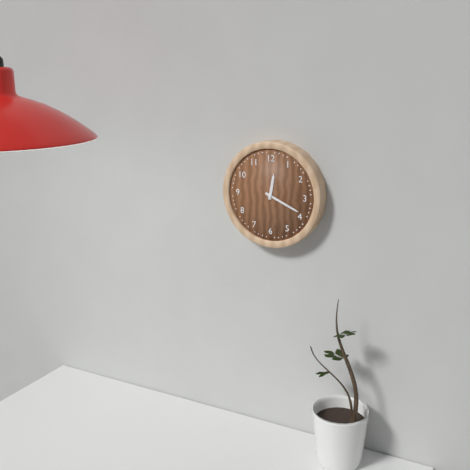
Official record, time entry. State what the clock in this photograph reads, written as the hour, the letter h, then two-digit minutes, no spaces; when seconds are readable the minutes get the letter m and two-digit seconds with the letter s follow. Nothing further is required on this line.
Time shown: 12h19
